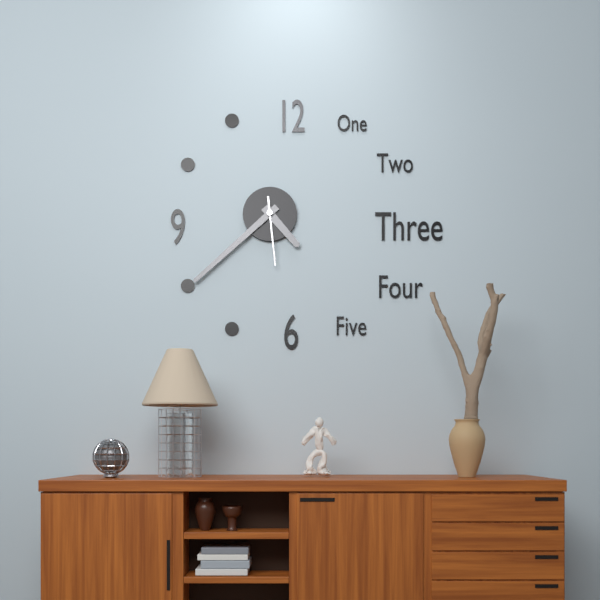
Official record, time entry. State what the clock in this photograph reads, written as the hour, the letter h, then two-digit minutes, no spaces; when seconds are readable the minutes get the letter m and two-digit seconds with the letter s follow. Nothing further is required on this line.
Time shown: 4h38m29s
